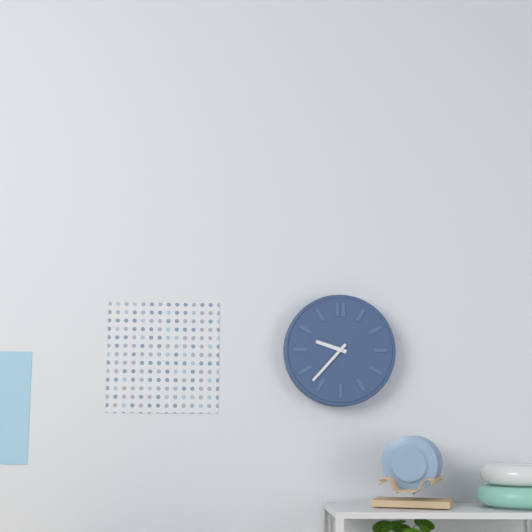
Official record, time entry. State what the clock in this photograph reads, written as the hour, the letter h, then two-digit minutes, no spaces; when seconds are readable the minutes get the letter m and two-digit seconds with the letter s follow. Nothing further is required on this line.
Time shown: 9h37
